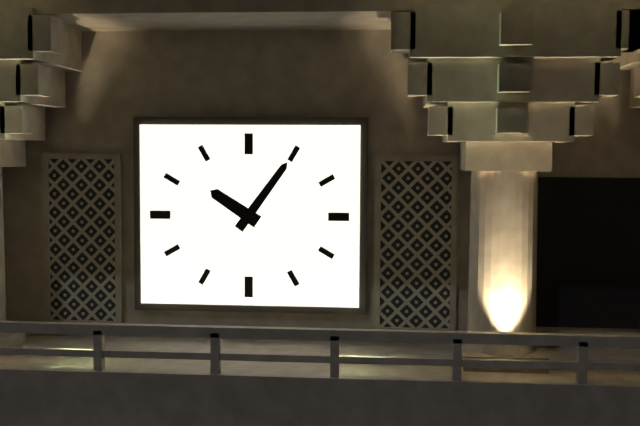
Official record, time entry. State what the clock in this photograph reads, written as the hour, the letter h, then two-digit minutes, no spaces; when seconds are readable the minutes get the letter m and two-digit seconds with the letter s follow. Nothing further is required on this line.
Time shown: 10h06
